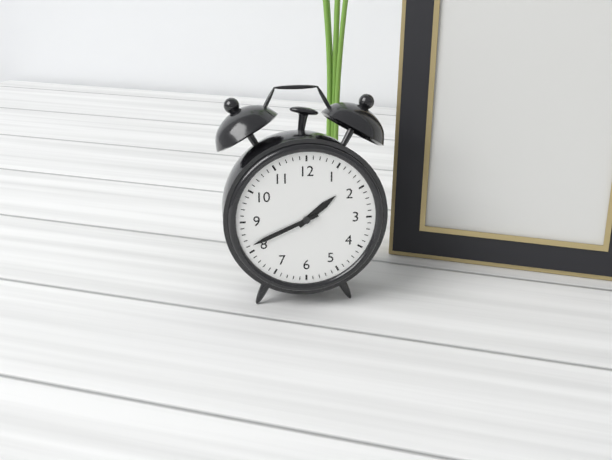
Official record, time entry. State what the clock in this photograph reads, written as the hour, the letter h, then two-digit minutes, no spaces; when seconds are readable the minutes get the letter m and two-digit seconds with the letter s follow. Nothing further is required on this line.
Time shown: 1h41
